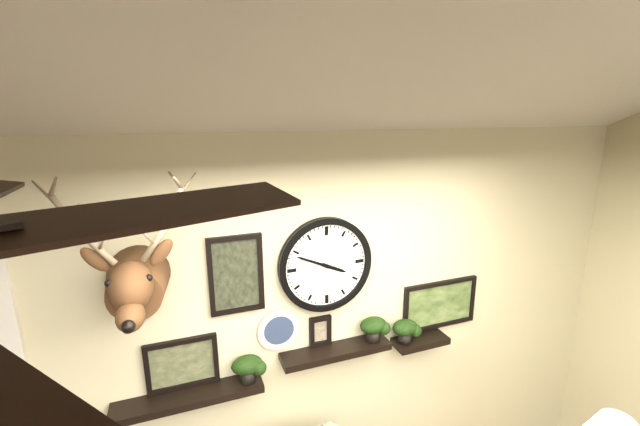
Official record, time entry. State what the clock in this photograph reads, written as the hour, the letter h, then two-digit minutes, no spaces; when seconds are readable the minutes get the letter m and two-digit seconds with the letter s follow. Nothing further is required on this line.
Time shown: 3h49
